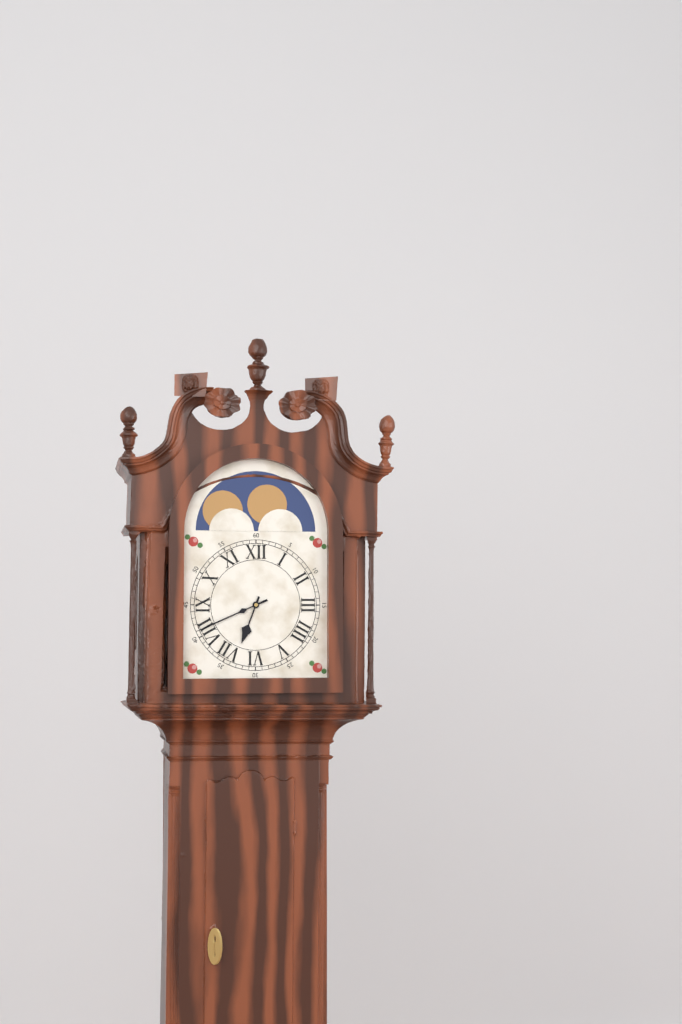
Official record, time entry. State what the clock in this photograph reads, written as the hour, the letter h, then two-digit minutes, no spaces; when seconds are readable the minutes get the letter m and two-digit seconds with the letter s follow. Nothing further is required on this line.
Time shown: 6h41
